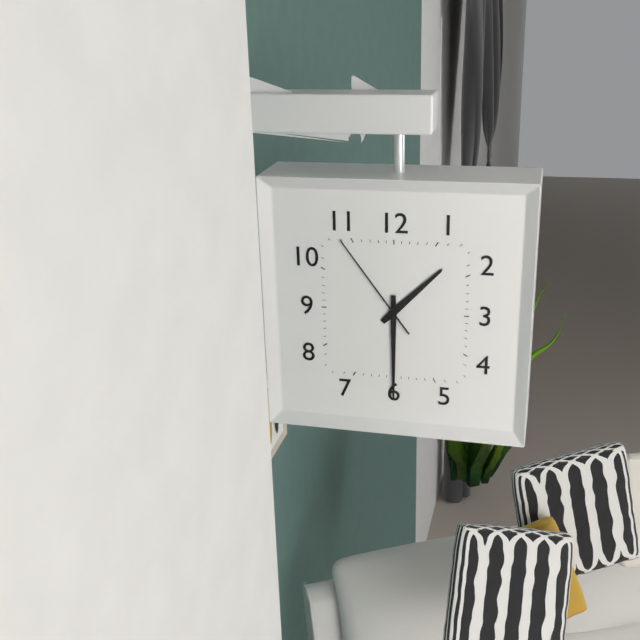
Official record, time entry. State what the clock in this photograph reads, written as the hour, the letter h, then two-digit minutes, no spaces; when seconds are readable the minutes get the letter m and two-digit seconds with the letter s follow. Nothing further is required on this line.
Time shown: 1h30m54s
